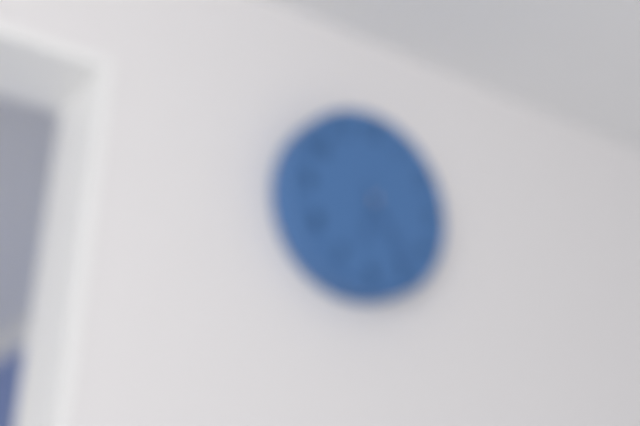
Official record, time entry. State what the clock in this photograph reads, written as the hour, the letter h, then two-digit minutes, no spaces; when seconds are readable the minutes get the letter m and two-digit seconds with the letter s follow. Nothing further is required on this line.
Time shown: 6h24
